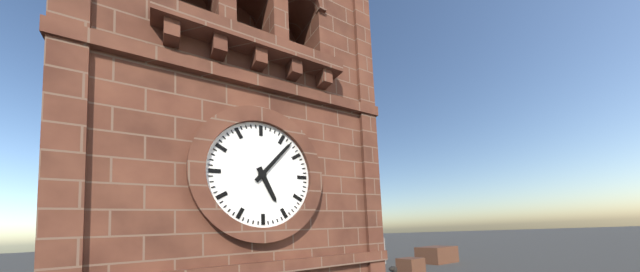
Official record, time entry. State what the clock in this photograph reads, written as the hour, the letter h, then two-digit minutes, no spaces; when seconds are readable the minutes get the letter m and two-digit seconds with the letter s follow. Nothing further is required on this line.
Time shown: 5h07
